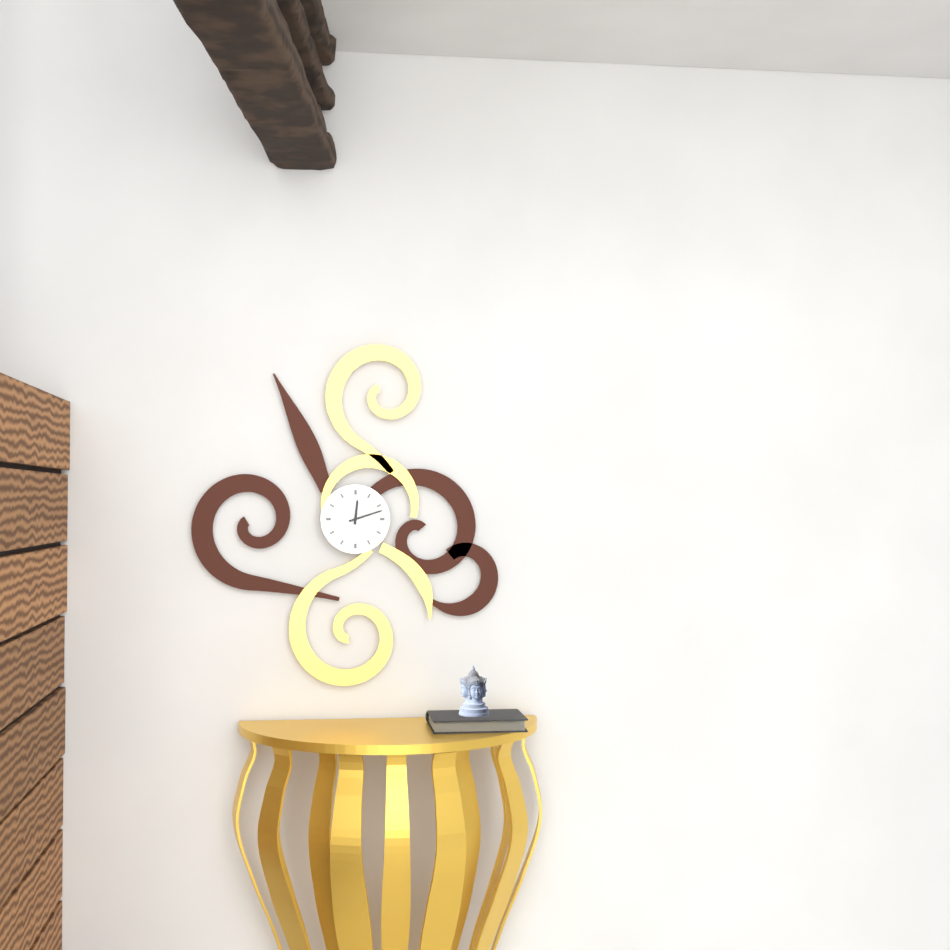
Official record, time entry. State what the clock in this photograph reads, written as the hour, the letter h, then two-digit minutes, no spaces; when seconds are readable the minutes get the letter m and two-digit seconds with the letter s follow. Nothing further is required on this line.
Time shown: 12h12
